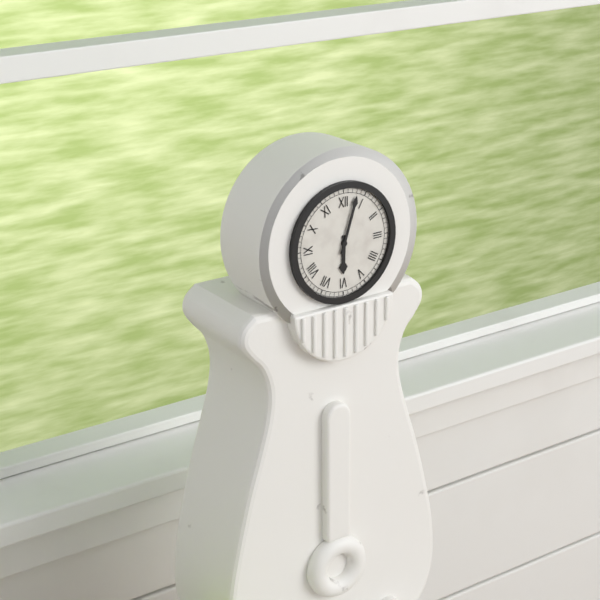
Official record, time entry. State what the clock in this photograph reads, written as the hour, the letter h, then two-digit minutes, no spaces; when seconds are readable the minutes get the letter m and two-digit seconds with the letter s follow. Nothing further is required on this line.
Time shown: 6h03
